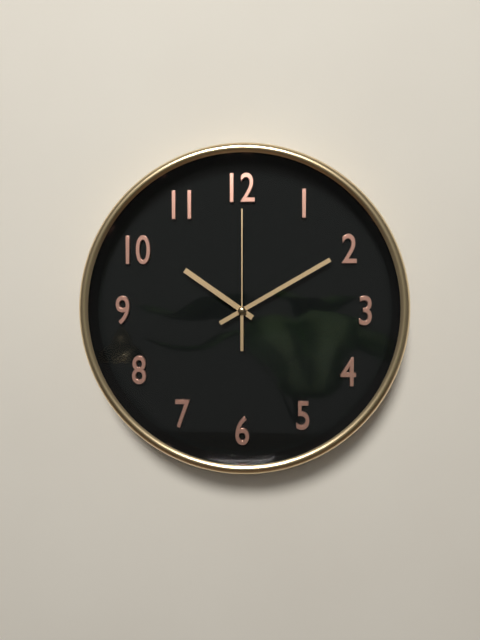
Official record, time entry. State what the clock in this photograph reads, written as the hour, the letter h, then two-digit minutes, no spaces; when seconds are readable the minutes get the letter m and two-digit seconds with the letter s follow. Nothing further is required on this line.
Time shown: 10h10m00s
